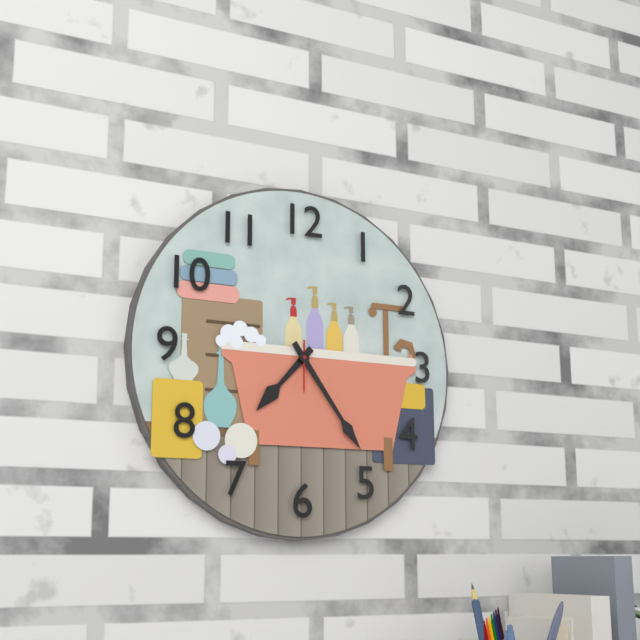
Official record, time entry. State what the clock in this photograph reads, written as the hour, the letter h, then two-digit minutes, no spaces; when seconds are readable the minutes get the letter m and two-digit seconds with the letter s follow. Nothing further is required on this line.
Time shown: 7h24
